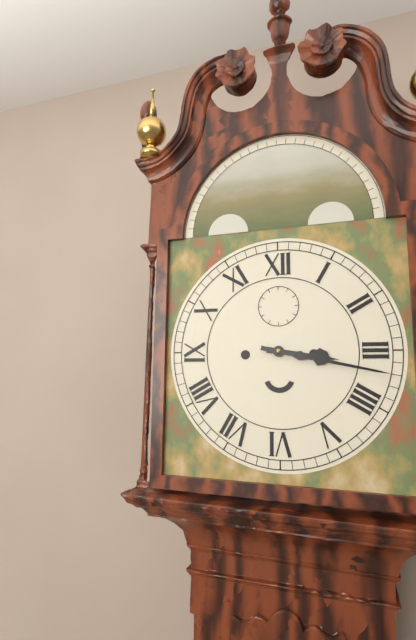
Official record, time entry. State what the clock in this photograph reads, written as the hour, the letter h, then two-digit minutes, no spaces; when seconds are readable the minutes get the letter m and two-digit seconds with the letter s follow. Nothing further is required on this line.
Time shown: 3h17
